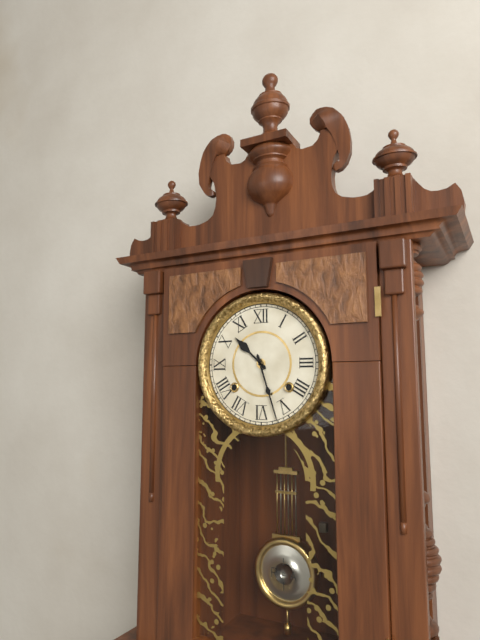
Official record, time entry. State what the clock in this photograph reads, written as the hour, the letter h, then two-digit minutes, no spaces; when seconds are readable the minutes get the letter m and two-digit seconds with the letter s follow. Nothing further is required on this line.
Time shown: 10h27
